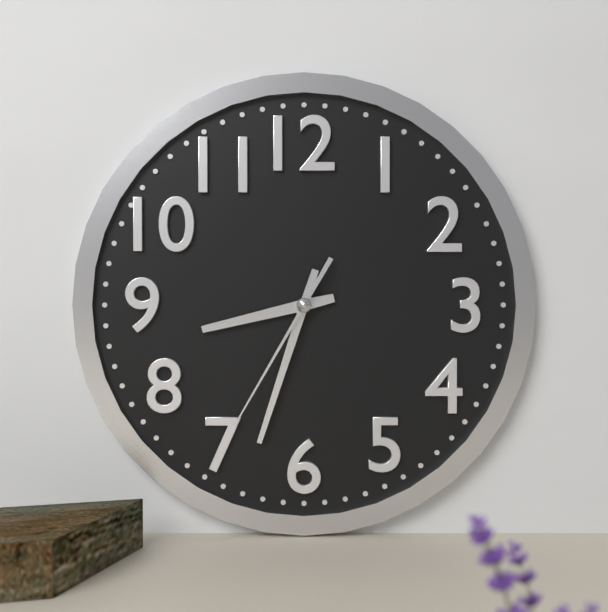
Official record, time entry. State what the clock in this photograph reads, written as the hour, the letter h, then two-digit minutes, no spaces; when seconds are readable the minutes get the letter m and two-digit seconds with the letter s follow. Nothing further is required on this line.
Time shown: 8h33m35s
